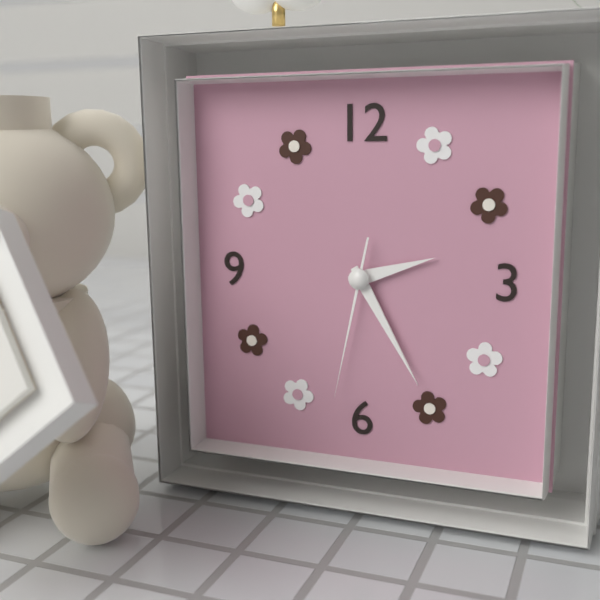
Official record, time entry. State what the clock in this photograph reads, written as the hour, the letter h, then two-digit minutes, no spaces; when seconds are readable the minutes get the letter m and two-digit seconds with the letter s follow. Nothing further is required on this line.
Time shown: 2h25m32s
